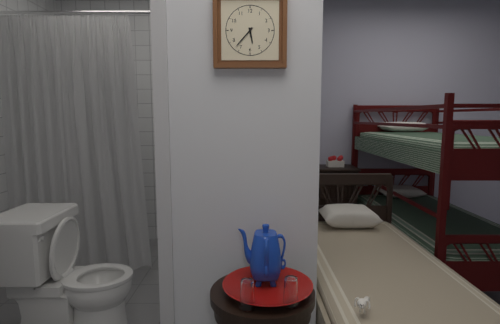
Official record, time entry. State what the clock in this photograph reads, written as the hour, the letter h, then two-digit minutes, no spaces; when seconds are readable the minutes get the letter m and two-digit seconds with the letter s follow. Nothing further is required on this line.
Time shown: 5h37
